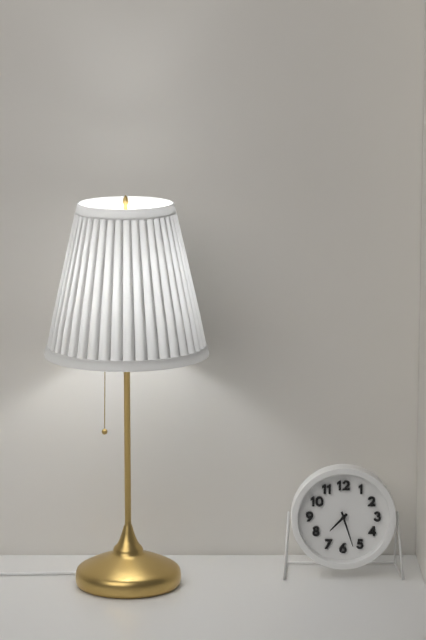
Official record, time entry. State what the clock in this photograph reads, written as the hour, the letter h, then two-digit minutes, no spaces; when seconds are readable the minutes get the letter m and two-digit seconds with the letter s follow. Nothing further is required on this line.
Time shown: 7h27
